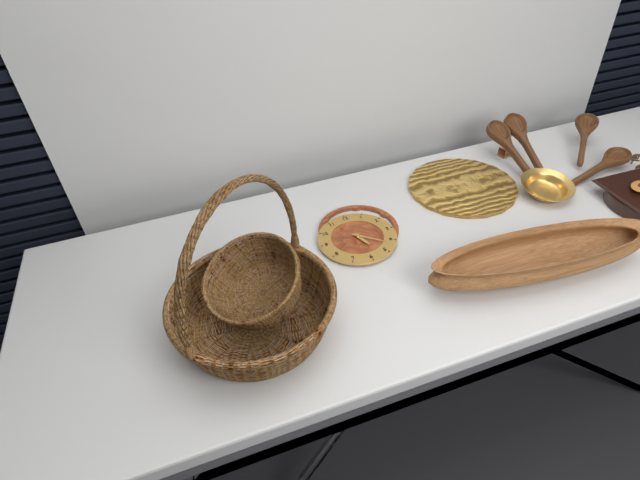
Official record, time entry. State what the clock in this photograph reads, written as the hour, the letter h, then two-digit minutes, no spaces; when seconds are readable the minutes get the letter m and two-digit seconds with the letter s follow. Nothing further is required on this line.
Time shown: 5h22
